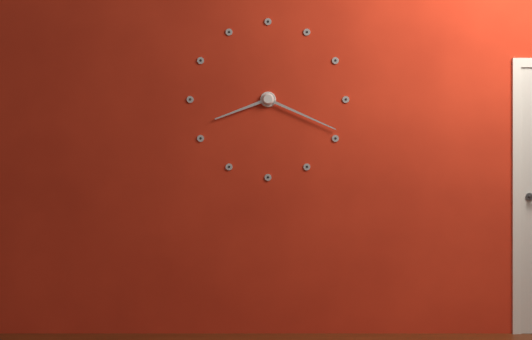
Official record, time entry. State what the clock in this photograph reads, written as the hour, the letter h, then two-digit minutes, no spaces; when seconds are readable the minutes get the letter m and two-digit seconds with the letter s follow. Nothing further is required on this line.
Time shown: 8h19
